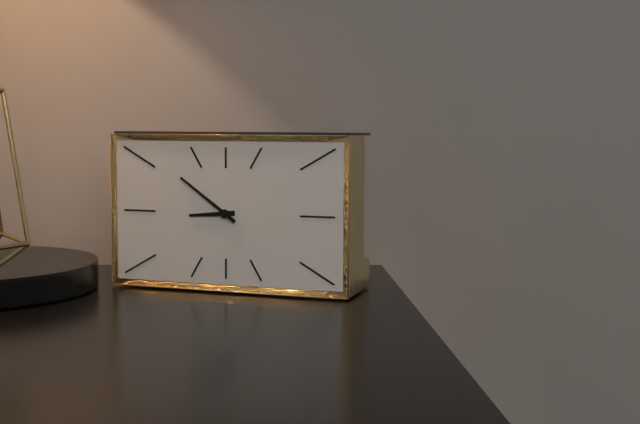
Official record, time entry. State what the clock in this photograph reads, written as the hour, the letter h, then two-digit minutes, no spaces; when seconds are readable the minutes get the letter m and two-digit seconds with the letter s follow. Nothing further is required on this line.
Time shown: 8h51
